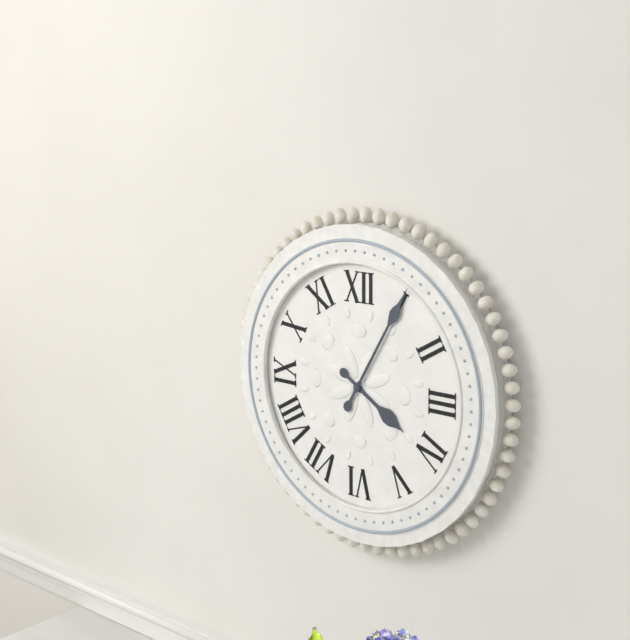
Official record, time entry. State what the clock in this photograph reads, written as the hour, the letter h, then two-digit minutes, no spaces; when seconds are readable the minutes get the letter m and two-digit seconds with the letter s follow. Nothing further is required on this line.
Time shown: 4h05
